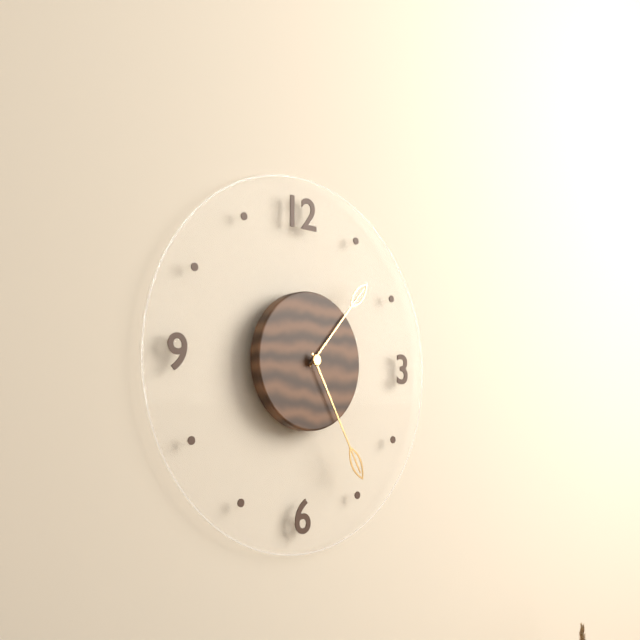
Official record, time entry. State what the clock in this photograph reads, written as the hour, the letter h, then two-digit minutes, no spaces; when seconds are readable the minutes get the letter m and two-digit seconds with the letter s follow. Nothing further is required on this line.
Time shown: 1h25
